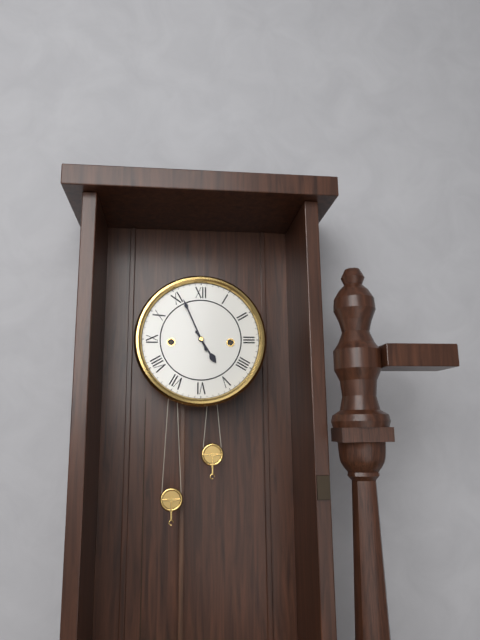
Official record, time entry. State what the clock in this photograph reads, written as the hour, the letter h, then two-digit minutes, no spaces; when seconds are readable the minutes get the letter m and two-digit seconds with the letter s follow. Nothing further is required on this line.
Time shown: 4h56
